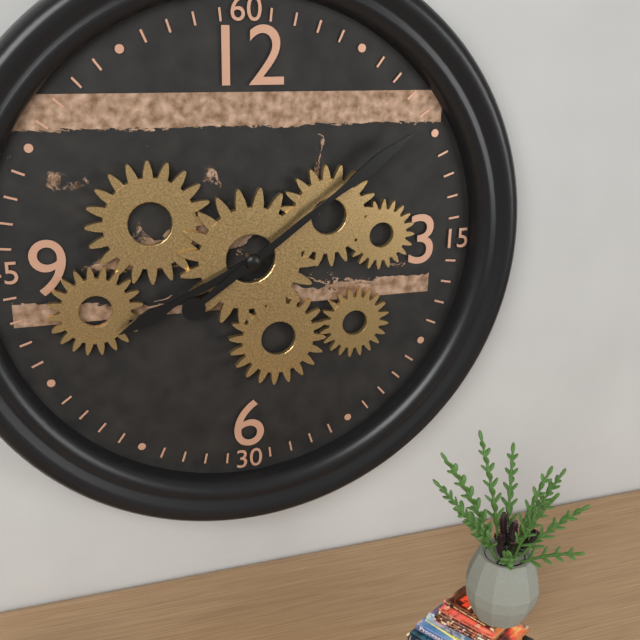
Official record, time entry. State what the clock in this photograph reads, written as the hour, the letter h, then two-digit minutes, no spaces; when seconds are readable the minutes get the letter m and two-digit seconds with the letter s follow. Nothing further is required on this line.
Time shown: 8h09
